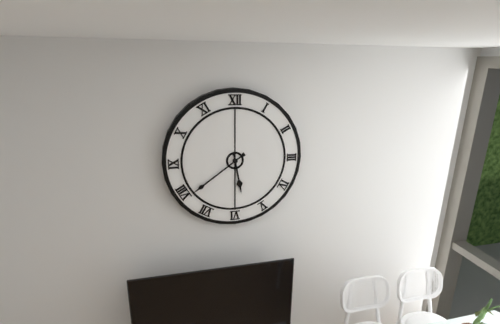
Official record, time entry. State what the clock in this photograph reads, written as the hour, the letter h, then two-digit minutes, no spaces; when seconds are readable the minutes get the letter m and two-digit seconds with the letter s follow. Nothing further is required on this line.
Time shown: 5h39
